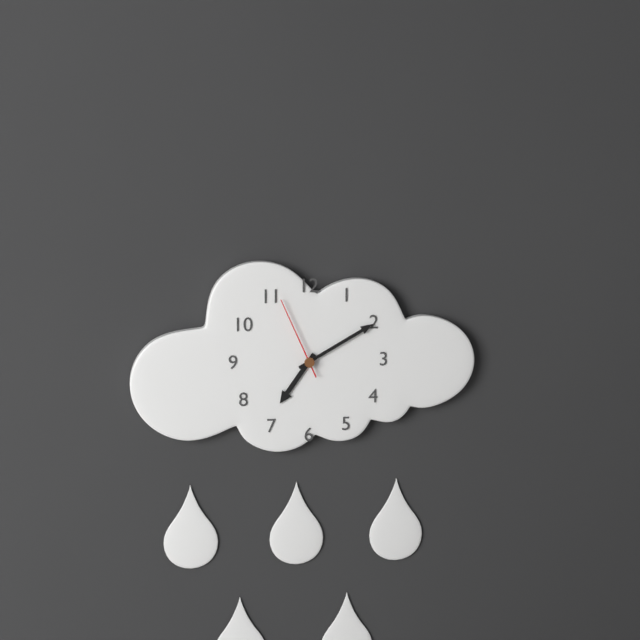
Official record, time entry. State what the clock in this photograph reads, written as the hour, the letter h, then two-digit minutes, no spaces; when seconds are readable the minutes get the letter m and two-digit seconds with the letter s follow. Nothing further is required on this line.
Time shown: 7h10m56s
